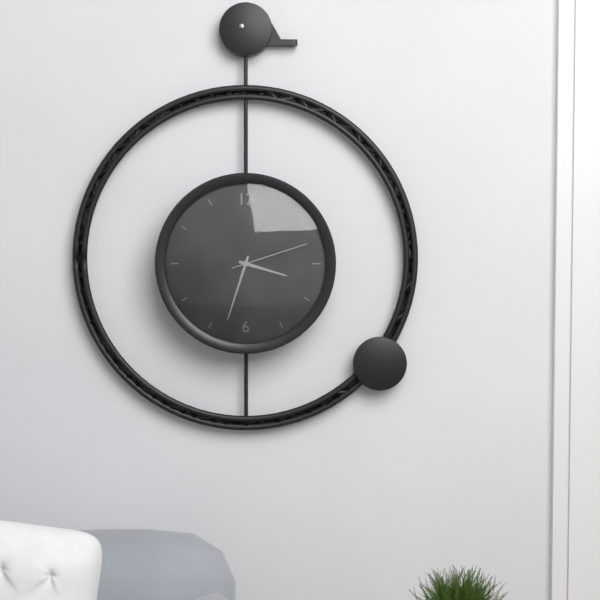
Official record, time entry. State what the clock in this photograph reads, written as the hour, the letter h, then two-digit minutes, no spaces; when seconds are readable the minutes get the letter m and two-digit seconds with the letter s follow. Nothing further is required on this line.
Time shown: 3h33m12s
